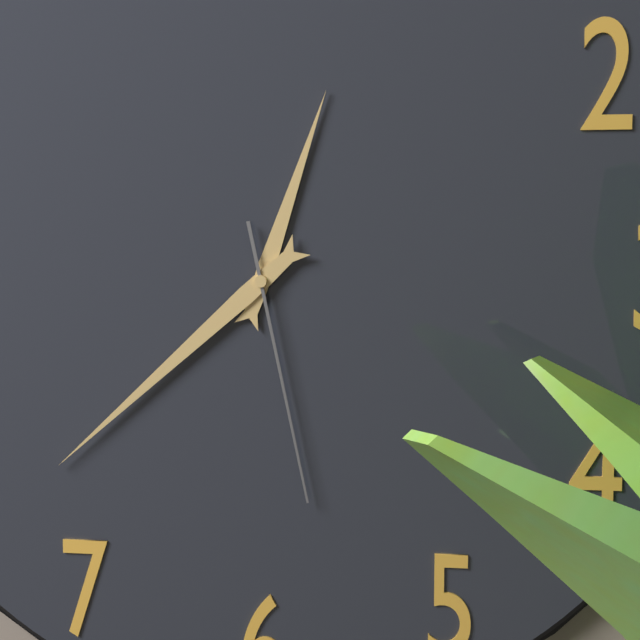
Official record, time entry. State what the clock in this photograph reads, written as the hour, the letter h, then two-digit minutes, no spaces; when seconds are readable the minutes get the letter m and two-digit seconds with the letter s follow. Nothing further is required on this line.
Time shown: 12h38m28s
